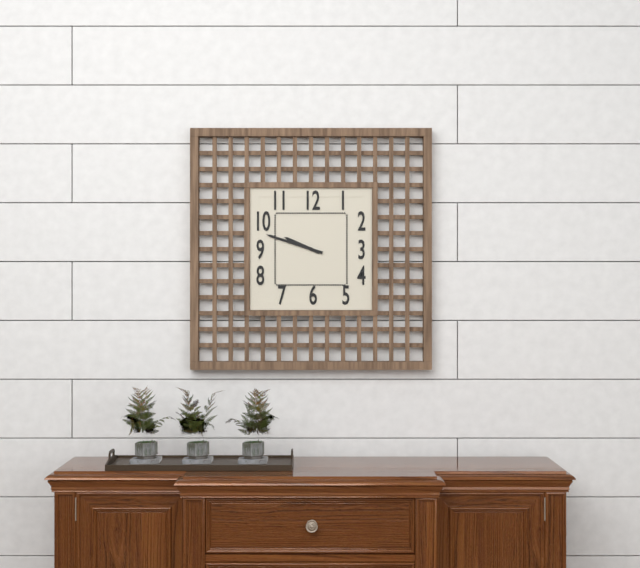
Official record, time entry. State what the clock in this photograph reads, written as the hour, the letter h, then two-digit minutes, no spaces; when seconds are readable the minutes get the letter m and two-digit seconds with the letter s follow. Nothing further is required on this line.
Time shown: 9h48
